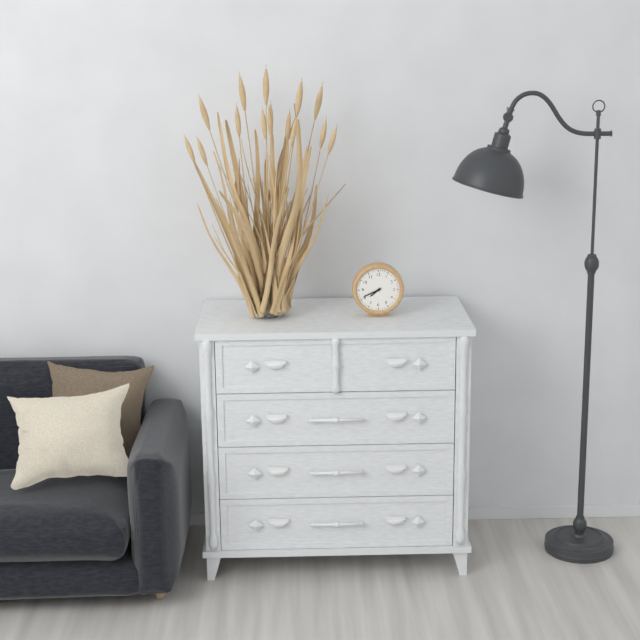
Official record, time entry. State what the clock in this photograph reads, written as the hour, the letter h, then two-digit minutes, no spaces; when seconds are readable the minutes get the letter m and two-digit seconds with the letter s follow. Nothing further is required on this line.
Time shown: 7h41
